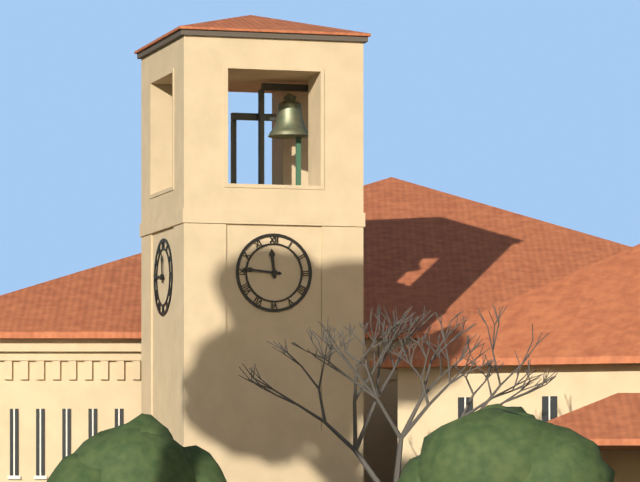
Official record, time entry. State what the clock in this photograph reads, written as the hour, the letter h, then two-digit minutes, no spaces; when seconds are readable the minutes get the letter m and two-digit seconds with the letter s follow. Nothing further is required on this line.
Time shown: 11h46
